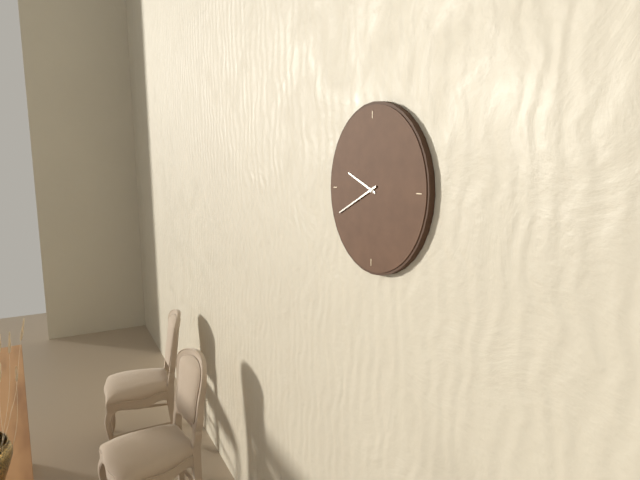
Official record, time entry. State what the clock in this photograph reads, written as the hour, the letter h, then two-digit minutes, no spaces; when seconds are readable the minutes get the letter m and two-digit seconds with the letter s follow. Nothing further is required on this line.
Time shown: 9h41
